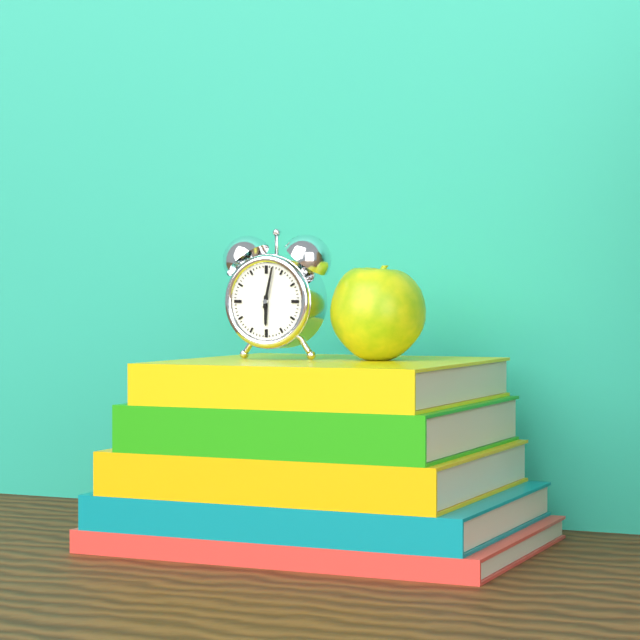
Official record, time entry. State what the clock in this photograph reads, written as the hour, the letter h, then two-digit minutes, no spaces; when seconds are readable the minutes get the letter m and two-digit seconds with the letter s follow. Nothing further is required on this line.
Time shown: 6h02
